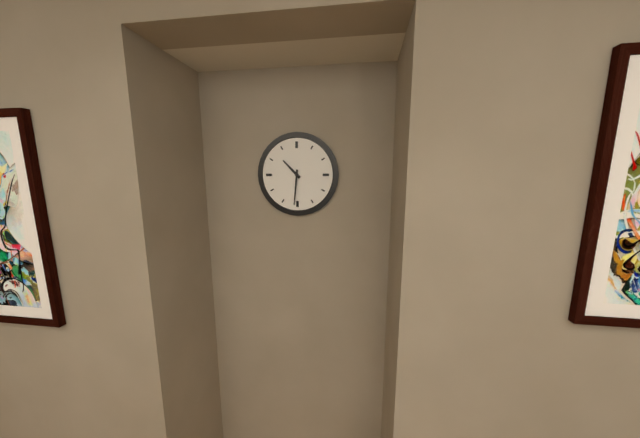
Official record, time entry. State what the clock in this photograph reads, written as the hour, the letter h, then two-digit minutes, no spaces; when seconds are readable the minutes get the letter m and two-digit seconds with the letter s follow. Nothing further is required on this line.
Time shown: 10h31
